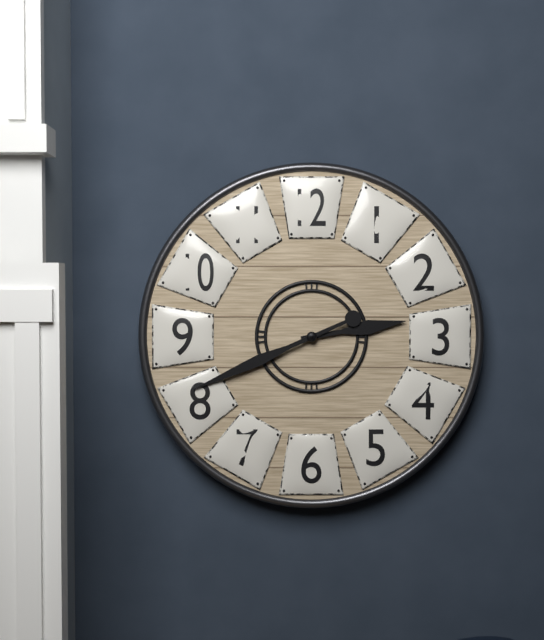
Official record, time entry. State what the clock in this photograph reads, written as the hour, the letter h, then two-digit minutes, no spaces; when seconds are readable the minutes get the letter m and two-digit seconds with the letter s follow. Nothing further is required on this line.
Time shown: 2h41
